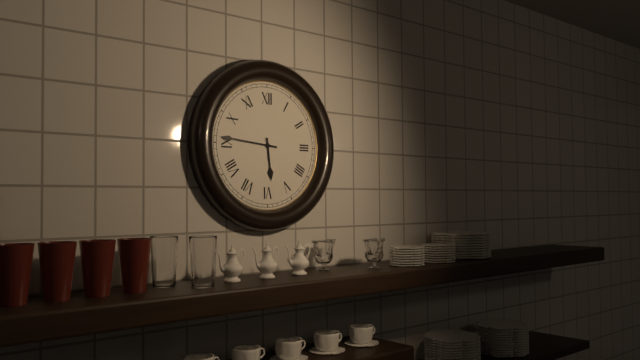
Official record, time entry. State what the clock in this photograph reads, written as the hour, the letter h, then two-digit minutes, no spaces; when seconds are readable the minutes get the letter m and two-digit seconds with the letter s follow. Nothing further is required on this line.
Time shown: 5h46
